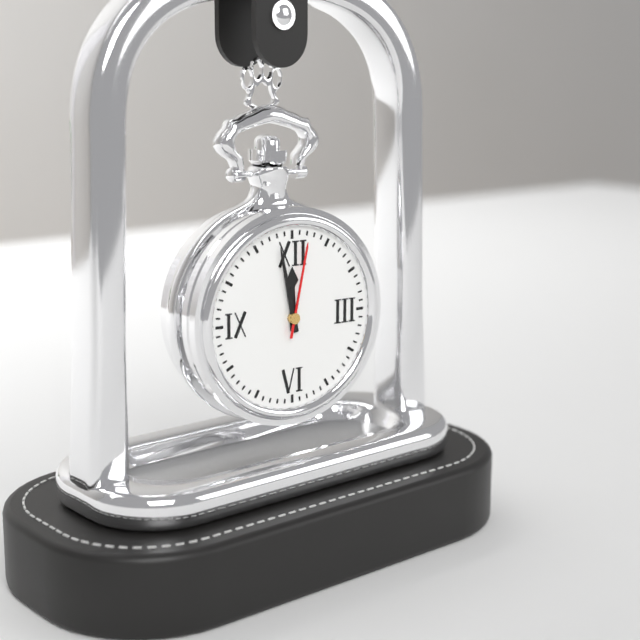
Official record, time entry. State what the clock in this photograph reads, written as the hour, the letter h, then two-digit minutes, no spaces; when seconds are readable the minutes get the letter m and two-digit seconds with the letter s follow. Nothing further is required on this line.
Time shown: 11h58m02s
